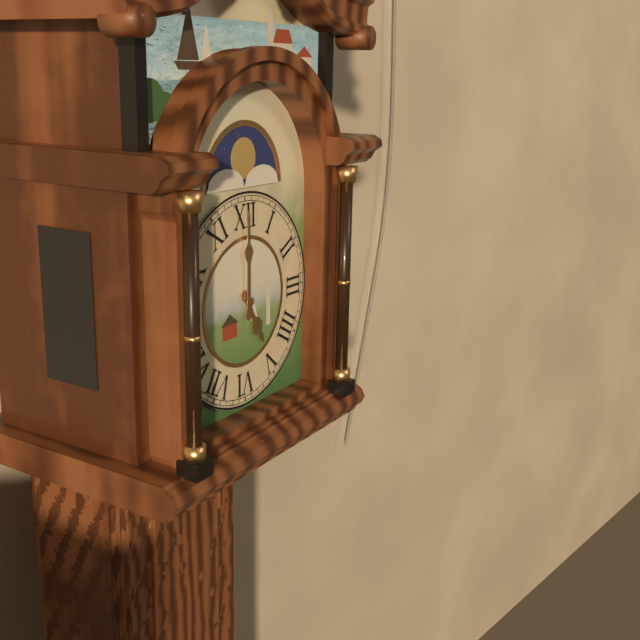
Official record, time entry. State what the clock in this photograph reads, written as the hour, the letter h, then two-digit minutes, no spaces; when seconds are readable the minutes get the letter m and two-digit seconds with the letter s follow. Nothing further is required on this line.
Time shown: 5h00
